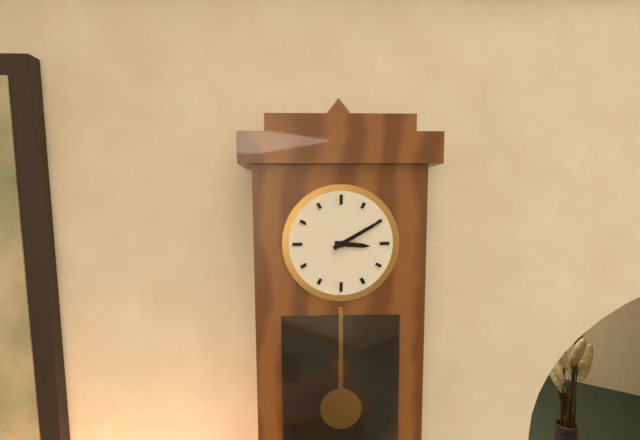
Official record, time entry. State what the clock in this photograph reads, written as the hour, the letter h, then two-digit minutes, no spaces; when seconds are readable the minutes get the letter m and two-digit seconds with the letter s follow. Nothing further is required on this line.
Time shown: 3h10
